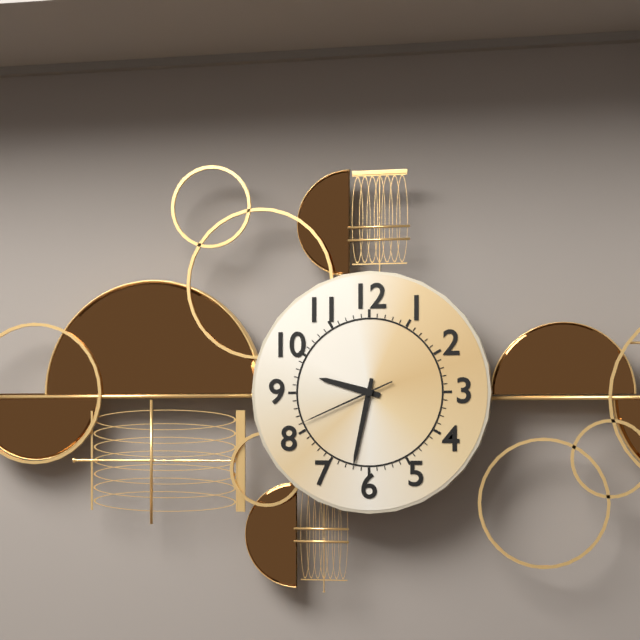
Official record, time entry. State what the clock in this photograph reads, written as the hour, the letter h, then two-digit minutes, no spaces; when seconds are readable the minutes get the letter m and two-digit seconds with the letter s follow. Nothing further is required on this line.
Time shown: 9h32m41s
